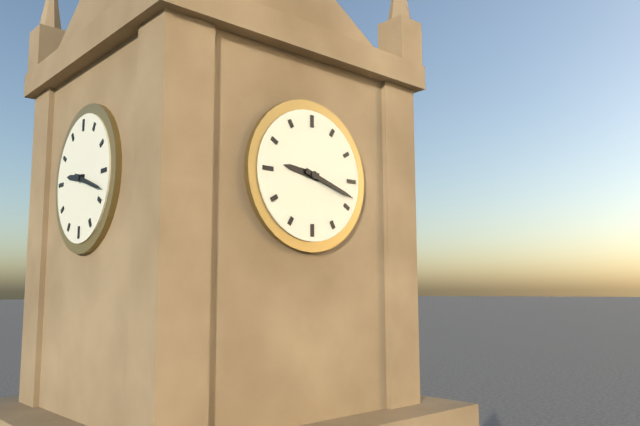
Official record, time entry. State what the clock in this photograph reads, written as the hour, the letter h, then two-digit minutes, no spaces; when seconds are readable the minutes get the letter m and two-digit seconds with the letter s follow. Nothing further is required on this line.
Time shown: 9h18
